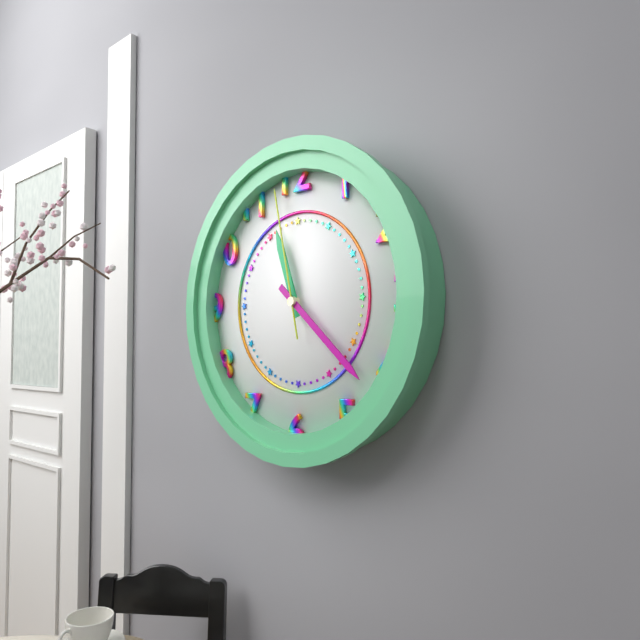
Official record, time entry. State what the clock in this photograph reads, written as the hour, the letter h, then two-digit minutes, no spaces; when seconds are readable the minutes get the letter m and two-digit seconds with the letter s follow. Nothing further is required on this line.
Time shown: 11h22m58s
